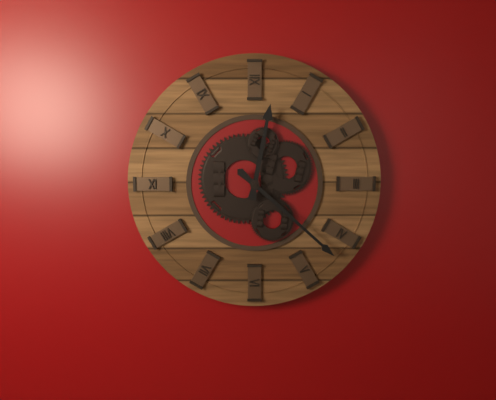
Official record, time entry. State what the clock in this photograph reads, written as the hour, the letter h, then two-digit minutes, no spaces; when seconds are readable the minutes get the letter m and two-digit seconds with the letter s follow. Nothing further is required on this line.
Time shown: 12h22
